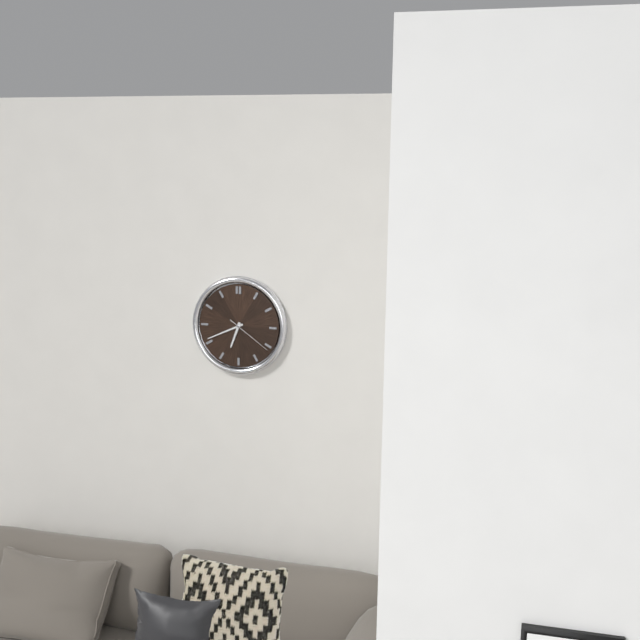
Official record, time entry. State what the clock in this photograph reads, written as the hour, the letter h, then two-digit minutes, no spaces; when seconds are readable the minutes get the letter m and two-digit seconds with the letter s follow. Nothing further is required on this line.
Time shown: 6h41
